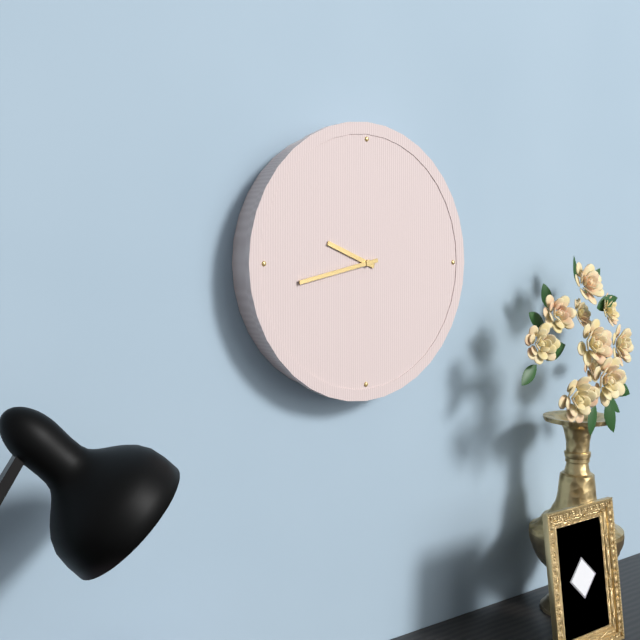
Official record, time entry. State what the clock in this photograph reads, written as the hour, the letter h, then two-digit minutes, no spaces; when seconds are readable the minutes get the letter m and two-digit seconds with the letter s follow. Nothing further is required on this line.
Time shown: 9h43
